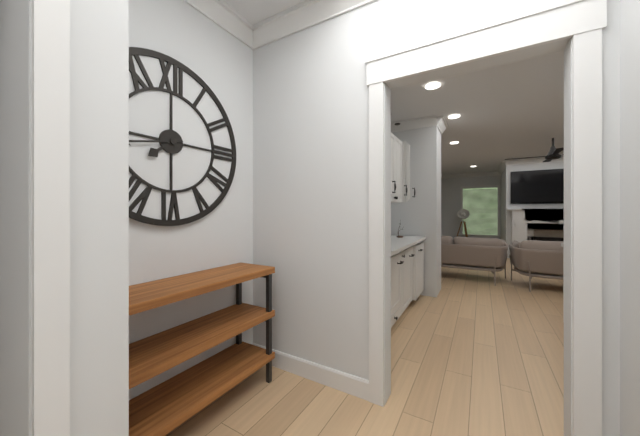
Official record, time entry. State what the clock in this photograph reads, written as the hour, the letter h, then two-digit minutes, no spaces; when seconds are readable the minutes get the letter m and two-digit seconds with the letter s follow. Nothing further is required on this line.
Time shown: 7h43
